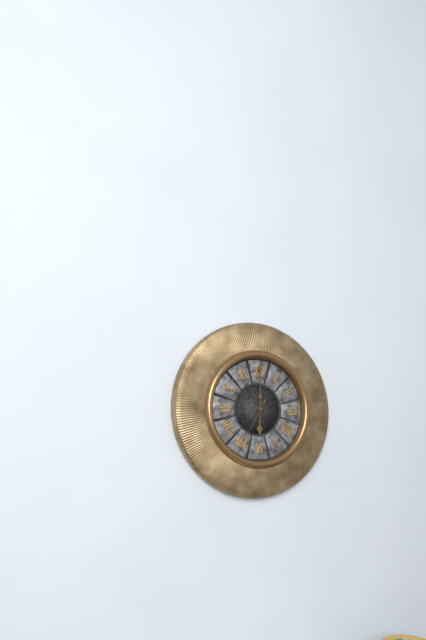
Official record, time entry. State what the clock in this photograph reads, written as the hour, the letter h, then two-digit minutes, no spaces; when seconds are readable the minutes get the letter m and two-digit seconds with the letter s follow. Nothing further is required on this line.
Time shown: 6h00m35s
